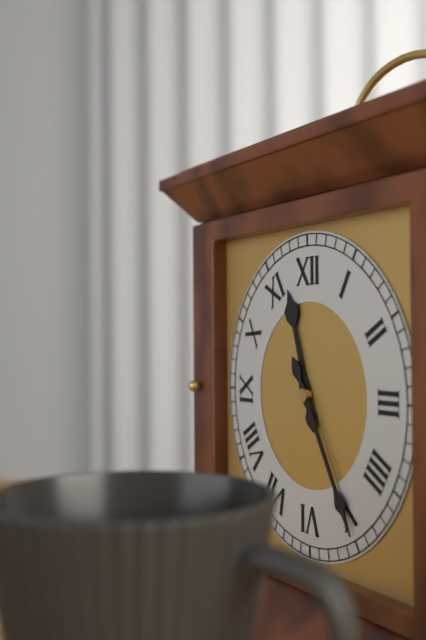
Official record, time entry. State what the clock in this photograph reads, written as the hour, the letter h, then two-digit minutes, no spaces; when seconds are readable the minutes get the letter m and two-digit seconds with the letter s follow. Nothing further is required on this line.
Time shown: 11h25
